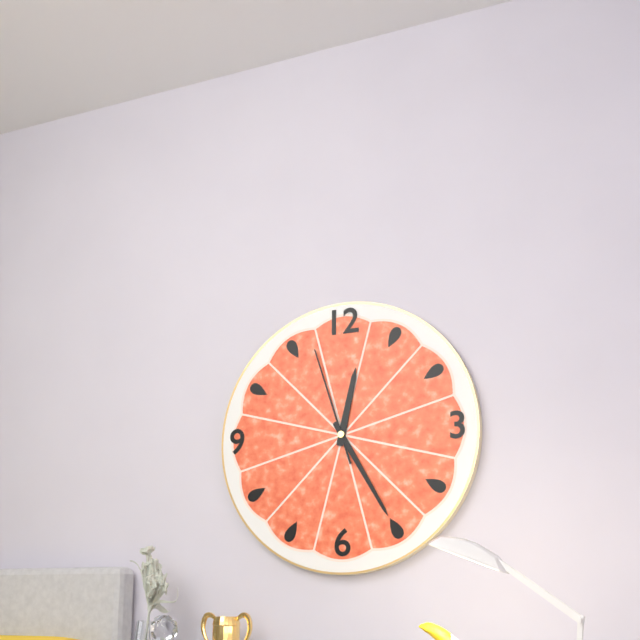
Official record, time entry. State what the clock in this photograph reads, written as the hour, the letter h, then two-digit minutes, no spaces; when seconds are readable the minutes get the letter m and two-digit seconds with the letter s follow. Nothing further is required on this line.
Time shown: 12h25m57s
